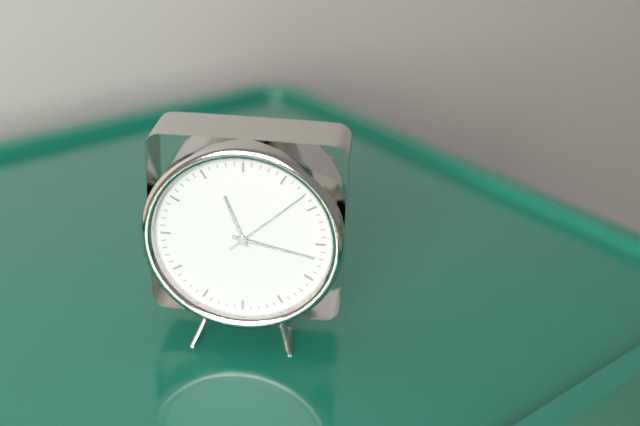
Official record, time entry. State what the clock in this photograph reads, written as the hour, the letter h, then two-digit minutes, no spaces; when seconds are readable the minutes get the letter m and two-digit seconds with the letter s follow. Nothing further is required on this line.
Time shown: 11h17m08s
